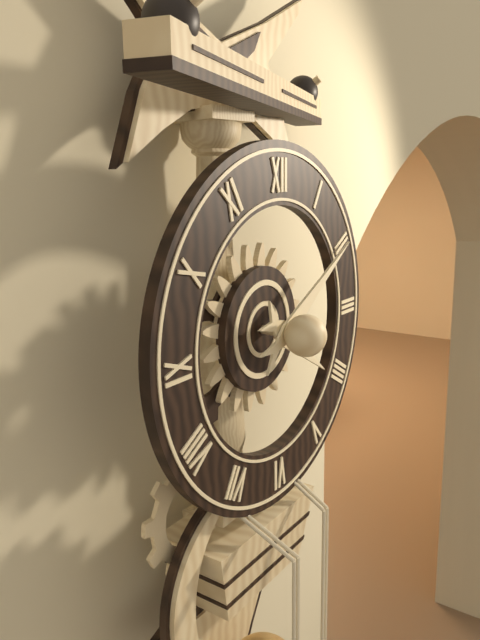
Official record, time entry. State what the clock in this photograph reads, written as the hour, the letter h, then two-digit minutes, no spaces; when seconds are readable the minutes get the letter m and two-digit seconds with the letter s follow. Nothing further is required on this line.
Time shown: 4h10
